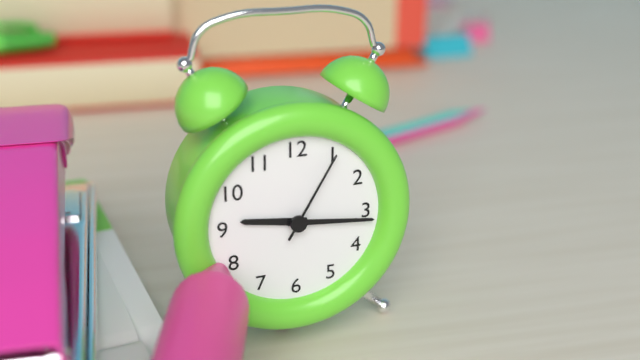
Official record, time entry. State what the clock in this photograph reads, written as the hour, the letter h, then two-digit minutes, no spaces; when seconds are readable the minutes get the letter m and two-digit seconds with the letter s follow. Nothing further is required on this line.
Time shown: 9h16m05s
